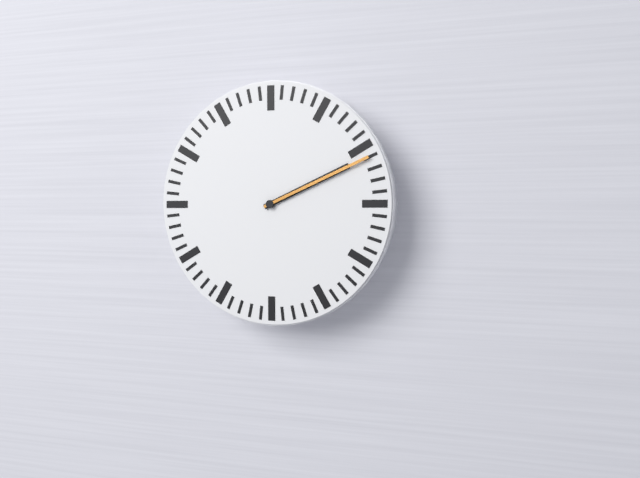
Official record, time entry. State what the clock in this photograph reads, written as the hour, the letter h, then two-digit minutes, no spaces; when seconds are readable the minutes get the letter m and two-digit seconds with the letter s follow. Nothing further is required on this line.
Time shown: 2h11
